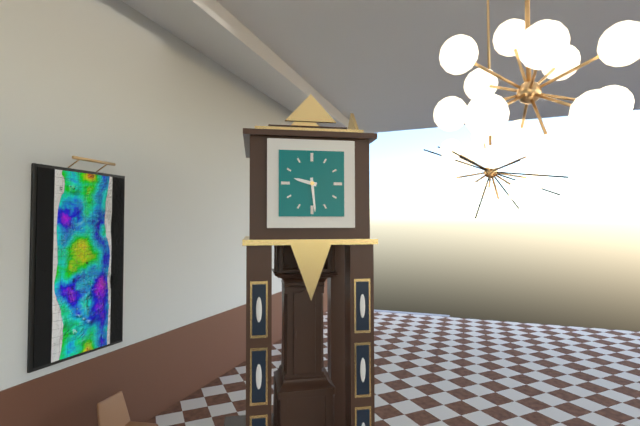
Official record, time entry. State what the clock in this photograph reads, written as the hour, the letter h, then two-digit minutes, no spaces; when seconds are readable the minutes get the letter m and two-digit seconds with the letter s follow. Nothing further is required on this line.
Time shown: 9h29
